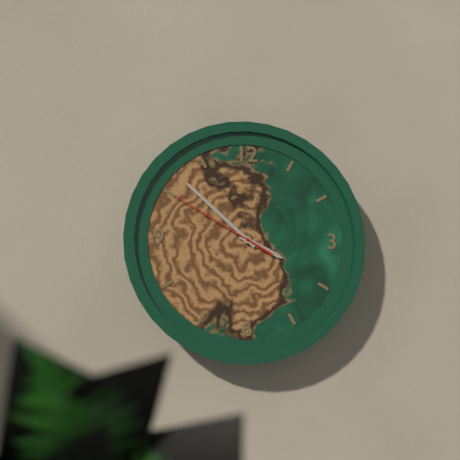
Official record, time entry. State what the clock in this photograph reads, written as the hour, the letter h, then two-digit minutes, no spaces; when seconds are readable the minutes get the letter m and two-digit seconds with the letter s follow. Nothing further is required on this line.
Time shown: 3h52m50s
